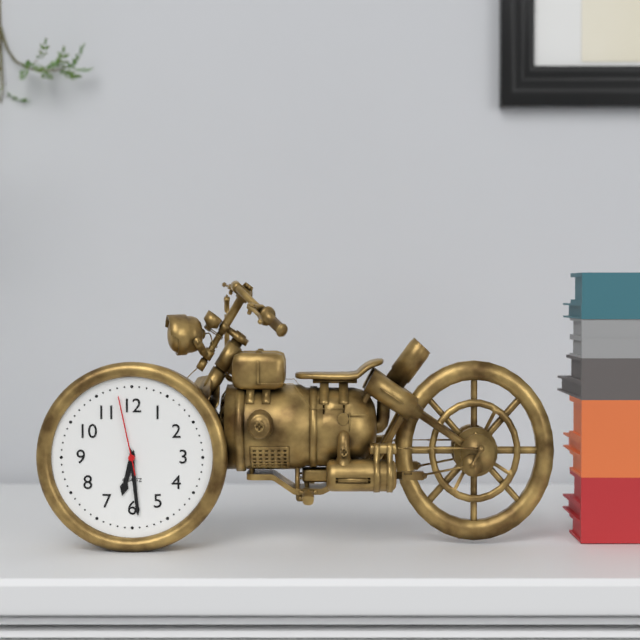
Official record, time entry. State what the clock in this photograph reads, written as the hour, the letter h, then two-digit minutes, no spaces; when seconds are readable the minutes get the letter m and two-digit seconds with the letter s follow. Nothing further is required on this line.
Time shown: 6h29m58s
